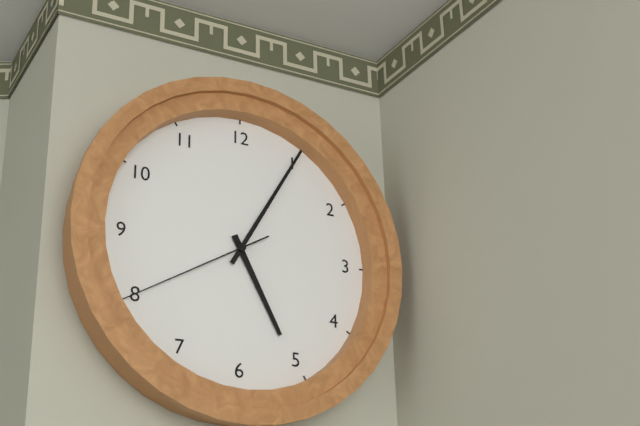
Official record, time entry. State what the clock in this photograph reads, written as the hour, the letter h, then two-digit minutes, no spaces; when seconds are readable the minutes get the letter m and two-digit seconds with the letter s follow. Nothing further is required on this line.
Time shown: 5h05m40s
